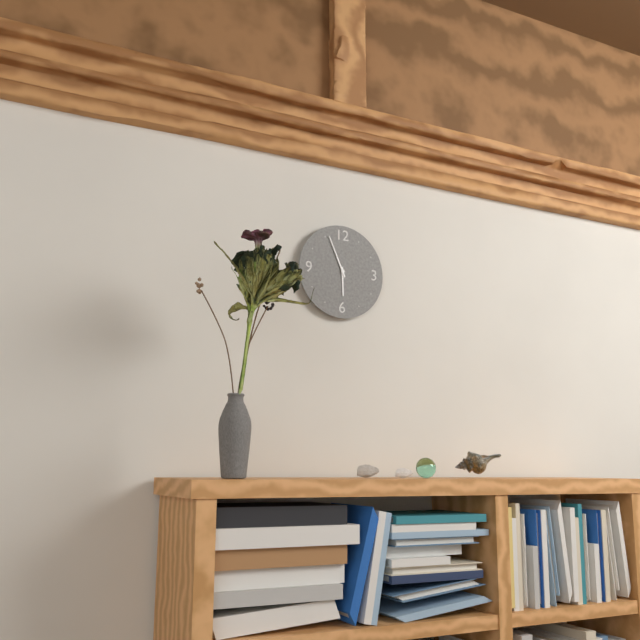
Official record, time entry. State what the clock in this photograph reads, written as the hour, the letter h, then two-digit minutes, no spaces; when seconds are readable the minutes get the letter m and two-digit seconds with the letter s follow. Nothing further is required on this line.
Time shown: 5h56
